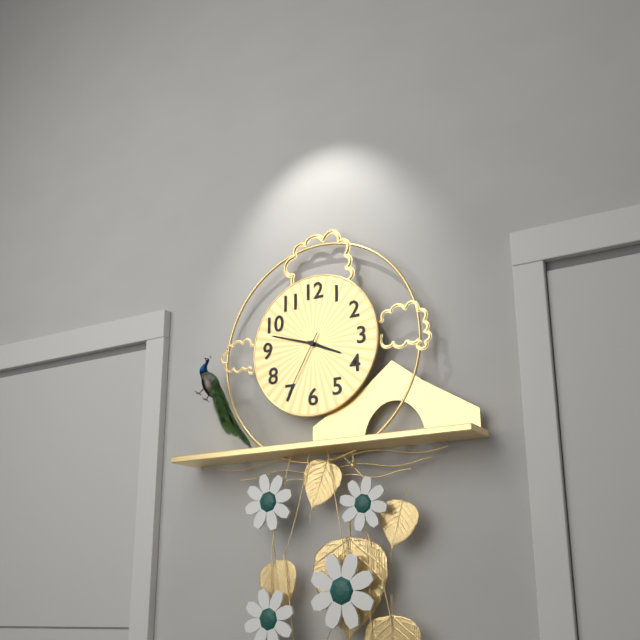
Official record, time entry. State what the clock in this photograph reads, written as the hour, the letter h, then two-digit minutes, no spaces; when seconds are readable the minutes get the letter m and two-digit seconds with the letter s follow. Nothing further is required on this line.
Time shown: 3h48m35s
